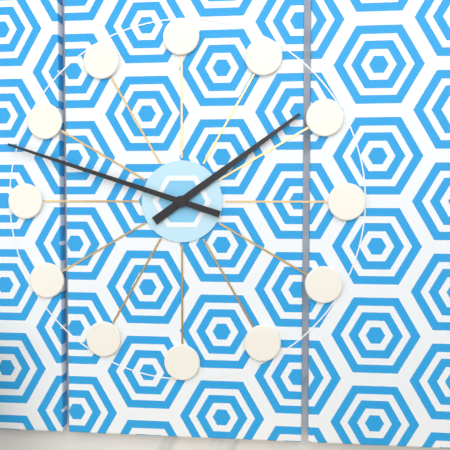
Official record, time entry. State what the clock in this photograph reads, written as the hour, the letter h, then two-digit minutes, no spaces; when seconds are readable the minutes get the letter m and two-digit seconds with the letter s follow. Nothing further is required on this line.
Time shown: 1h48
